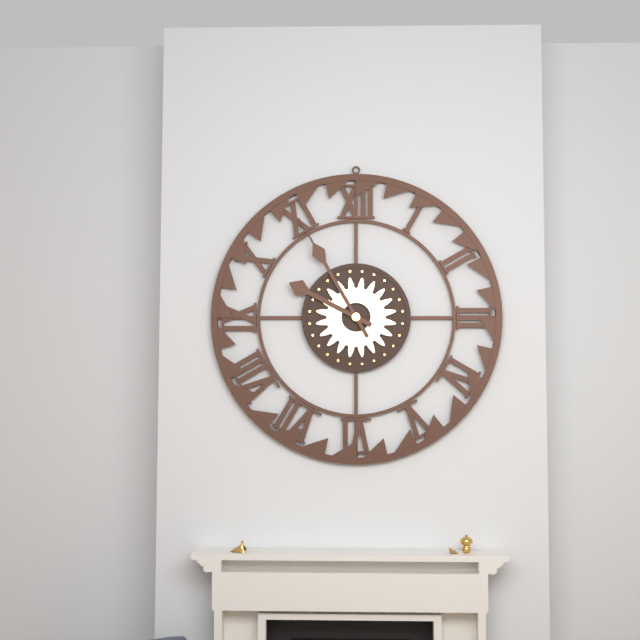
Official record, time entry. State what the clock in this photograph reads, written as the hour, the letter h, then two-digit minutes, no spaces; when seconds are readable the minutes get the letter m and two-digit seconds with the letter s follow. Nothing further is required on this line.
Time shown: 9h55
